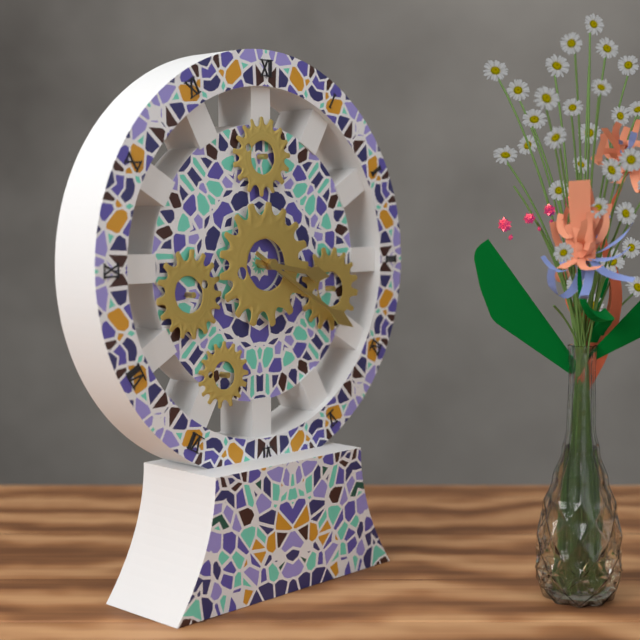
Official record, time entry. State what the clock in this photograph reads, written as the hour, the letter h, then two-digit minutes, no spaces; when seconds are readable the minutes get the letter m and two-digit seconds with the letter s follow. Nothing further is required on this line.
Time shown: 3h20
